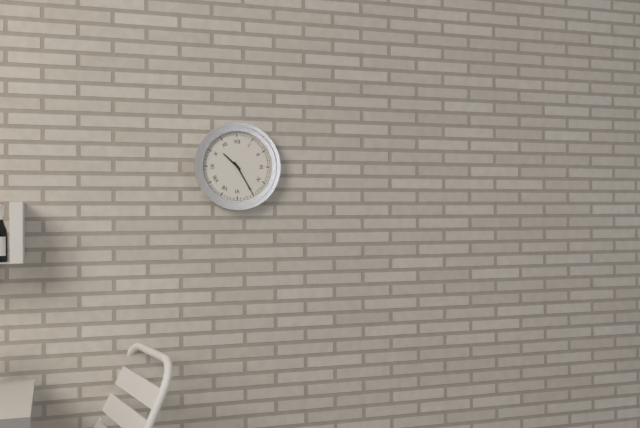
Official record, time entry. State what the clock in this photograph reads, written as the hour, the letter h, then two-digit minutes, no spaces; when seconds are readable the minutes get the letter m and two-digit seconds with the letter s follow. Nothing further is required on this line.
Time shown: 10h25
